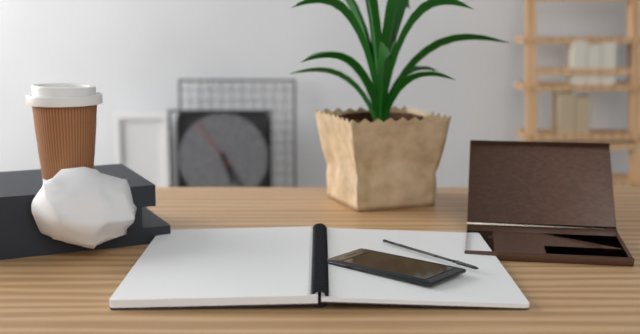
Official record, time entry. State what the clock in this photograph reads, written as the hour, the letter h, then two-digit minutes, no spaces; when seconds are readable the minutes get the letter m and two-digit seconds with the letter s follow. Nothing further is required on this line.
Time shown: 5h25m54s
